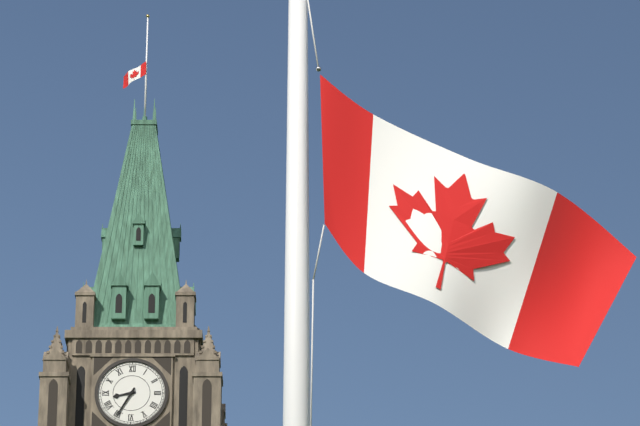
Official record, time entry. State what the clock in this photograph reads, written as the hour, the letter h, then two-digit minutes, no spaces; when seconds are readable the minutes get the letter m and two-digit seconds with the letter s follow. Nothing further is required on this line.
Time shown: 8h35
